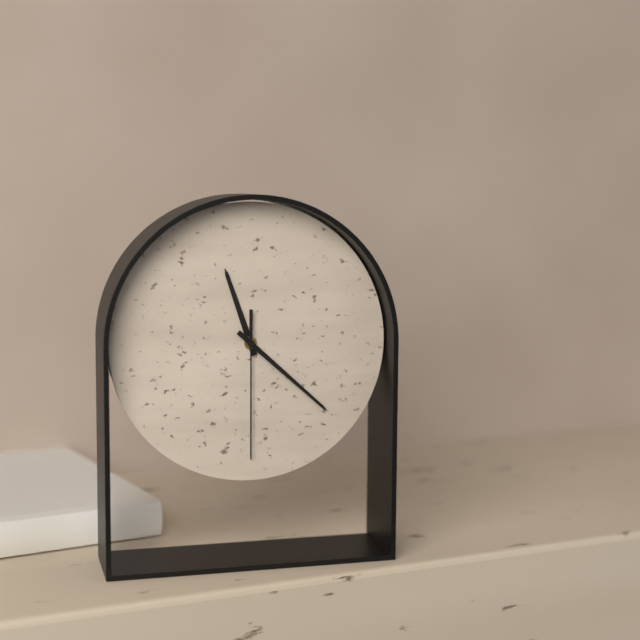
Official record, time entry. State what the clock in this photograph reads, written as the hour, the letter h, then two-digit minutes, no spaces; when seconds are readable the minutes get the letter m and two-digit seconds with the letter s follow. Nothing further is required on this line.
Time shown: 11h22m30s
